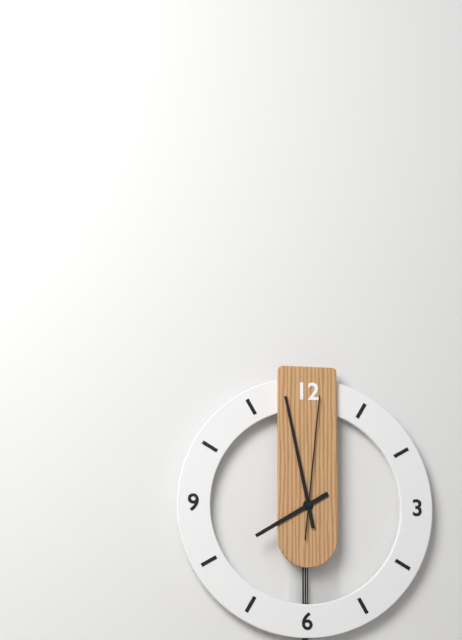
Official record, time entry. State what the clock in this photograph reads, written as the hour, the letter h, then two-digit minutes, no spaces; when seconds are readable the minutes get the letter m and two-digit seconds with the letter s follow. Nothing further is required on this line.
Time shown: 7h58m01s
